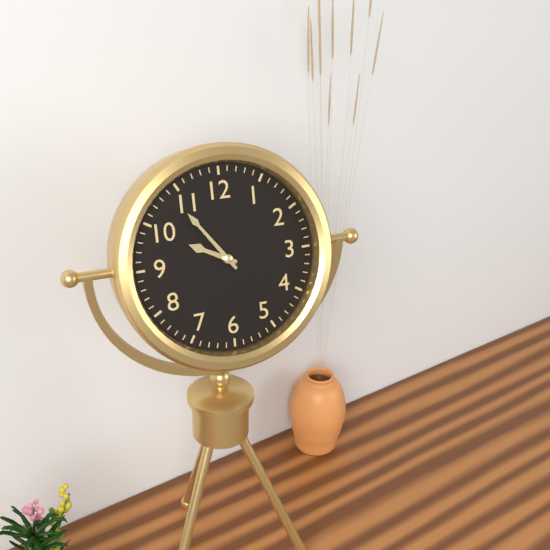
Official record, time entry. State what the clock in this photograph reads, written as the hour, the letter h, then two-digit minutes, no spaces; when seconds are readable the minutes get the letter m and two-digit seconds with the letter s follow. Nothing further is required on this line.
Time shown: 9h54
